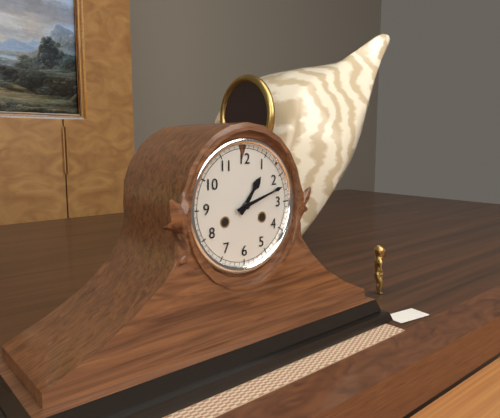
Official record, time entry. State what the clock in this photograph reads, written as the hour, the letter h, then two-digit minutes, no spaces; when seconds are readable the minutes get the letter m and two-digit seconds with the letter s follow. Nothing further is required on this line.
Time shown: 1h12
